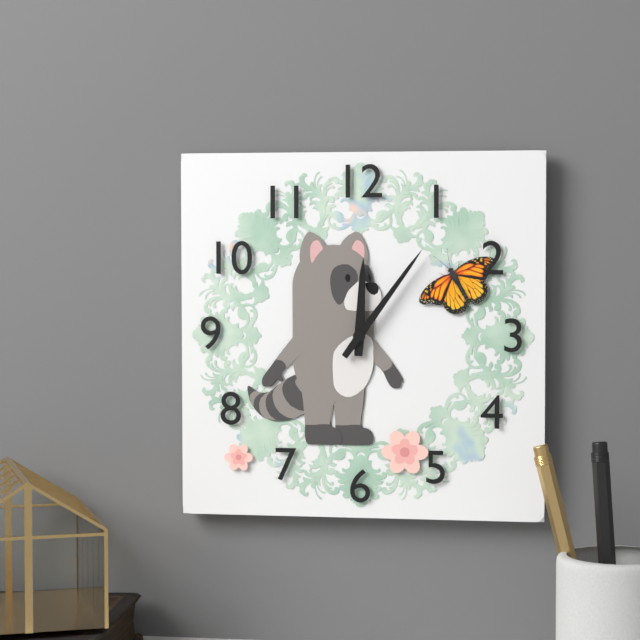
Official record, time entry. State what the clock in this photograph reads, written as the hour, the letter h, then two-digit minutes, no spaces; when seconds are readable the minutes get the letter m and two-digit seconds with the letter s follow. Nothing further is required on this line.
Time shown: 12h06
